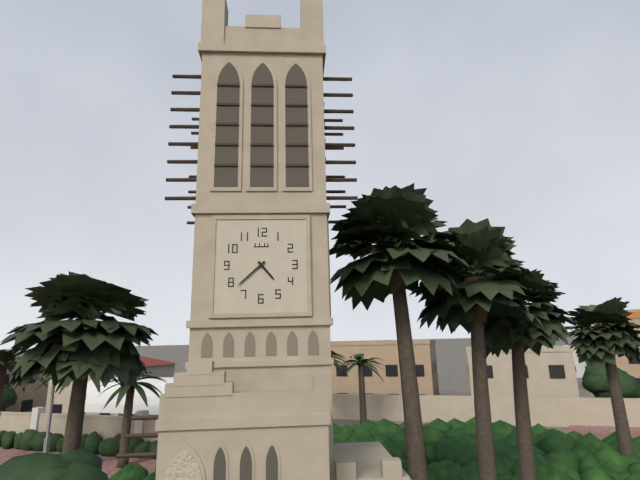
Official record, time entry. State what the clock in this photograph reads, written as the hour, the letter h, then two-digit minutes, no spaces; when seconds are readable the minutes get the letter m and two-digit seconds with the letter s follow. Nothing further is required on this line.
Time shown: 4h38
